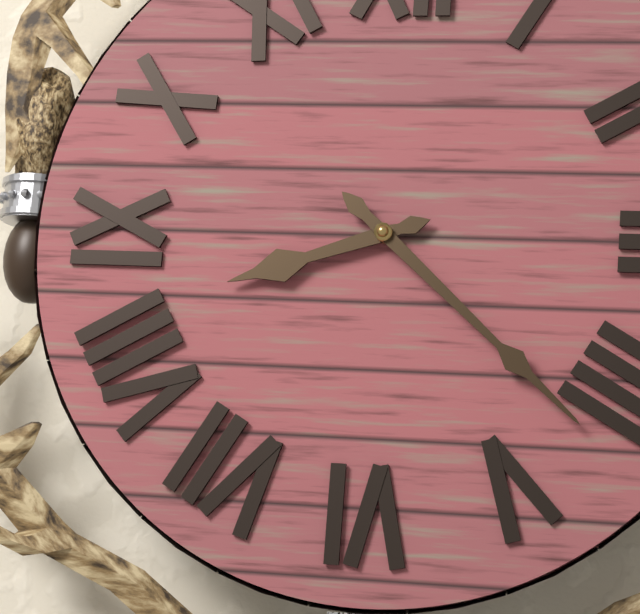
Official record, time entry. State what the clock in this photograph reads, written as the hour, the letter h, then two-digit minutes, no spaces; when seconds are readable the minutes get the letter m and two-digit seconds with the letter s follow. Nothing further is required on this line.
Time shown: 8h22
